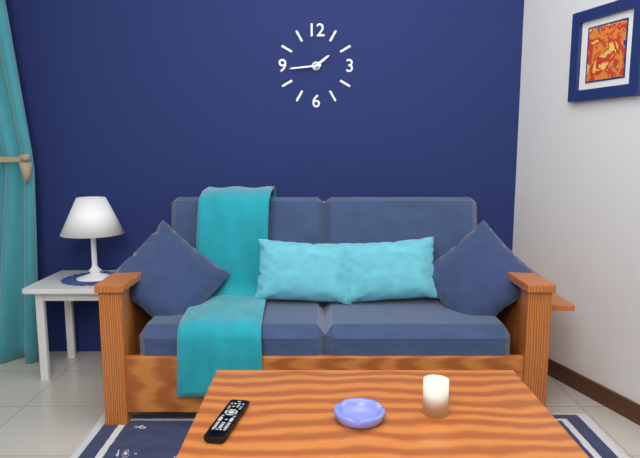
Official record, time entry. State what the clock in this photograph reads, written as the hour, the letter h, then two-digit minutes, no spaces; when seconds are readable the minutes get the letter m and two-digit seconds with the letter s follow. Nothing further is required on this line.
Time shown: 1h44
